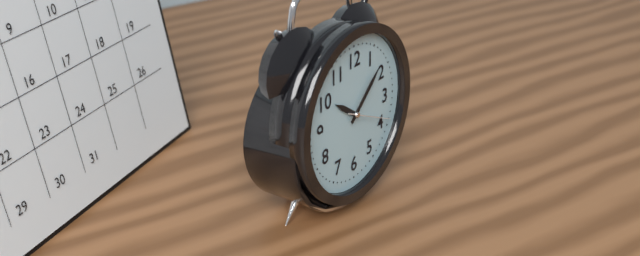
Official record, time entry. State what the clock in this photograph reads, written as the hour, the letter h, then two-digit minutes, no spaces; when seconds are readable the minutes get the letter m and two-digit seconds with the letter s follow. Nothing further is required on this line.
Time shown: 10h08
